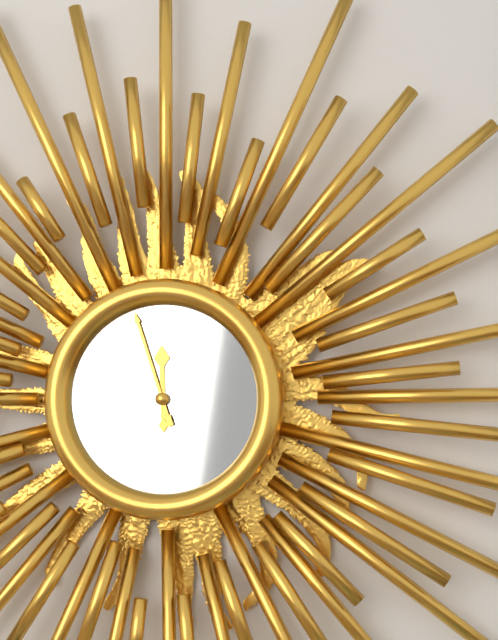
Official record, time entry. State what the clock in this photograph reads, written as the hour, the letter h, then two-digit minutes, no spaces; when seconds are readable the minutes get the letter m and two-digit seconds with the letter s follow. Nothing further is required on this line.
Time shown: 11h57
